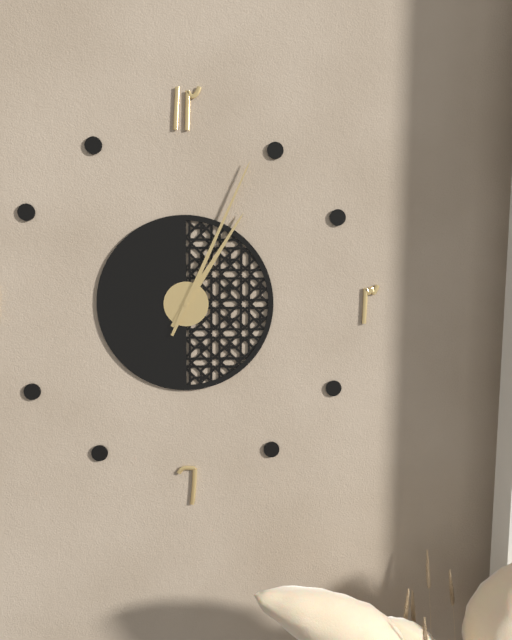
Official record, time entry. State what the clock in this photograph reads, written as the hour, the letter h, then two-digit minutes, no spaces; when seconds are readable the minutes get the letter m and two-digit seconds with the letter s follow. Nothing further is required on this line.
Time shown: 1h04
